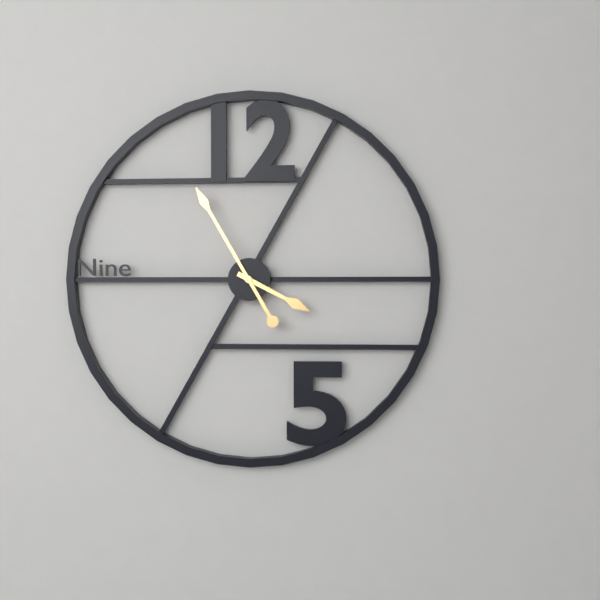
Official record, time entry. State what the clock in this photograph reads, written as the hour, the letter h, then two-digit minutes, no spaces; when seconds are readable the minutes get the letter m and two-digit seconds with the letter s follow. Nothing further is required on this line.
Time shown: 3h55
